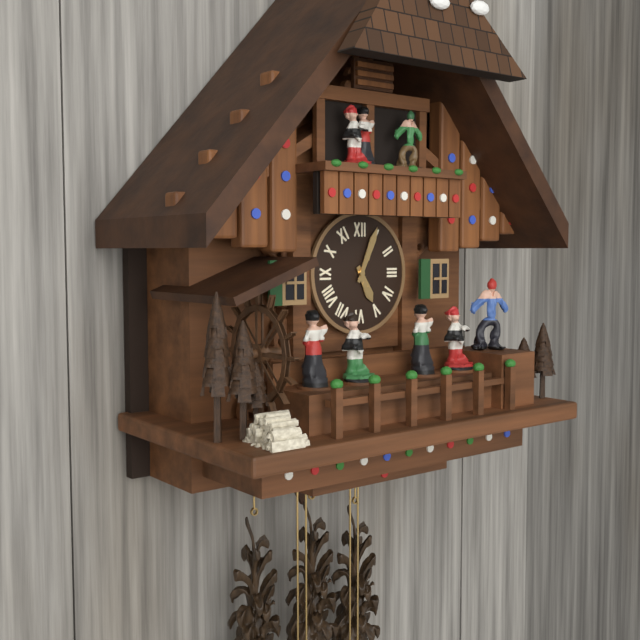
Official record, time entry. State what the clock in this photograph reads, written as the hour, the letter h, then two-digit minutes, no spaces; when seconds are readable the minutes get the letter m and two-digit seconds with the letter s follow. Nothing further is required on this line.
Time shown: 5h04
